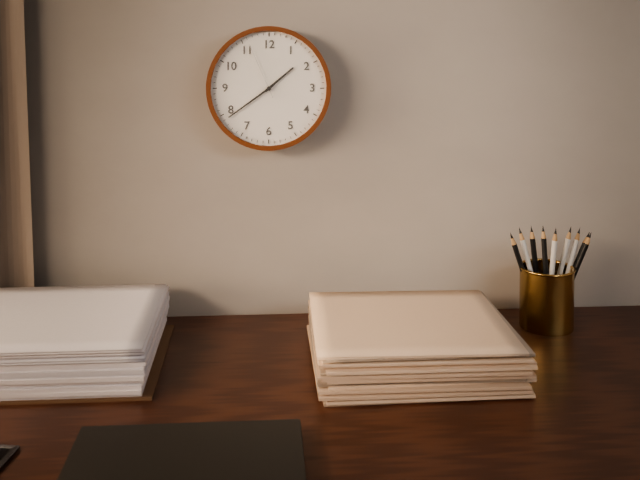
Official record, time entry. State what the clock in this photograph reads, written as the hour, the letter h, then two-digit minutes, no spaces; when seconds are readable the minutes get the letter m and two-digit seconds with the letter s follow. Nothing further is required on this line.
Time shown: 1h39m56s
